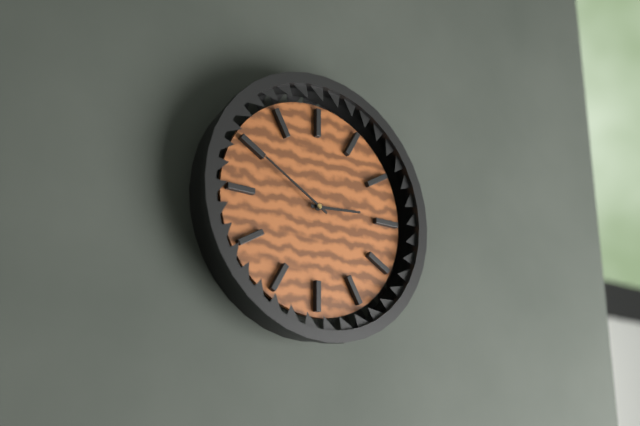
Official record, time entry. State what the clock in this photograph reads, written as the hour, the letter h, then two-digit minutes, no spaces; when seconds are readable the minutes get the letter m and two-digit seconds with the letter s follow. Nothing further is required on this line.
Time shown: 2h50
